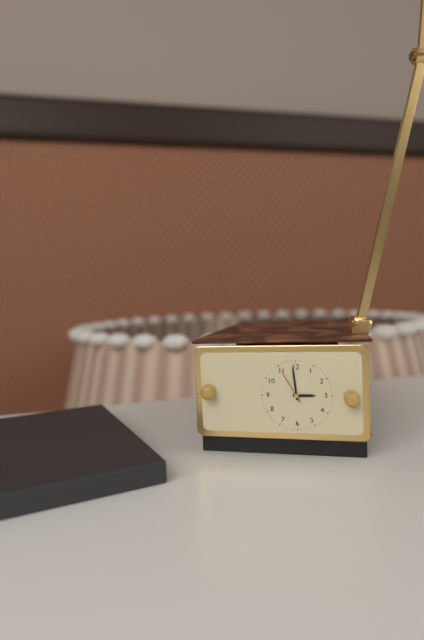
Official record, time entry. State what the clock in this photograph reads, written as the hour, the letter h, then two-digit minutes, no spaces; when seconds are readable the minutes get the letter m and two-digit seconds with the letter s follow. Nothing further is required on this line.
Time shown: 2h59
